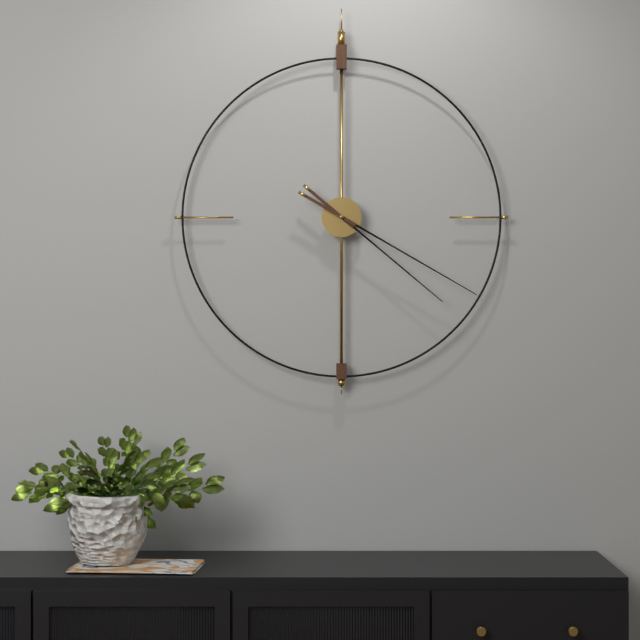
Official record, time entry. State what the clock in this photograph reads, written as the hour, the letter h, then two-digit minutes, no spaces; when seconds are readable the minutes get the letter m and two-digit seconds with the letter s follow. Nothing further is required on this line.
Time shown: 4h20
